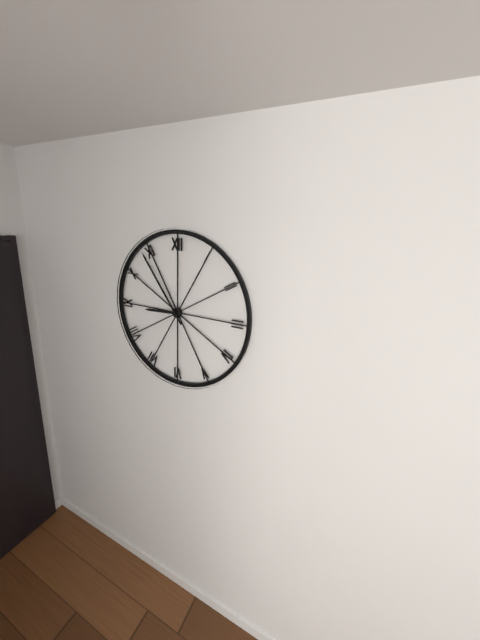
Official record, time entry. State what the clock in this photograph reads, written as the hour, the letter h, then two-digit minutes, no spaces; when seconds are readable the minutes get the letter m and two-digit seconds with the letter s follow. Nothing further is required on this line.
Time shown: 8h54
